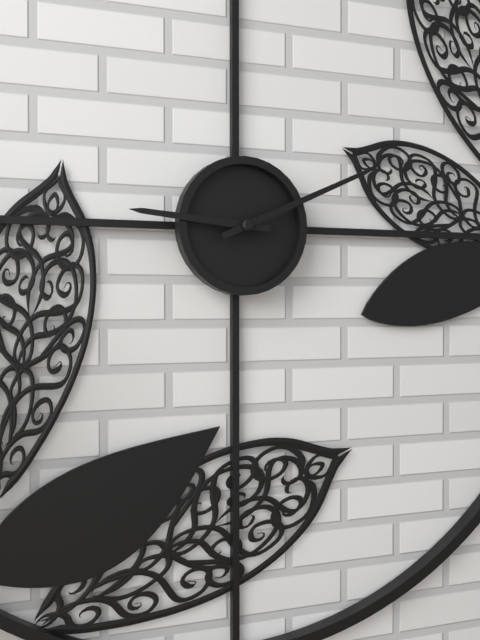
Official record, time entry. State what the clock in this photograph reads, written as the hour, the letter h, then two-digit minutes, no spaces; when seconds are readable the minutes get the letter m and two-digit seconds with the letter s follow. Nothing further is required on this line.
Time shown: 9h11
